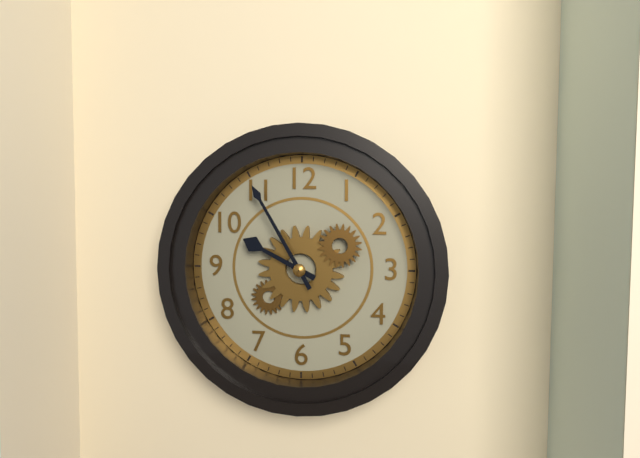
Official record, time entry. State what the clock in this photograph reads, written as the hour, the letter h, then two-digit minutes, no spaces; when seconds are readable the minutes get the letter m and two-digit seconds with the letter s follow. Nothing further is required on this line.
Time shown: 9h55
